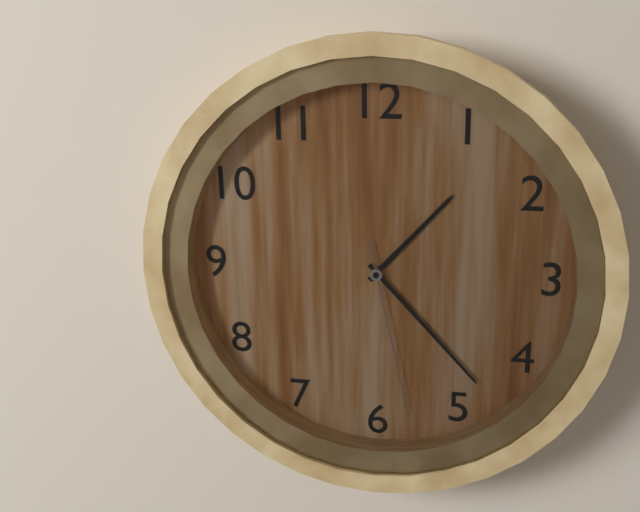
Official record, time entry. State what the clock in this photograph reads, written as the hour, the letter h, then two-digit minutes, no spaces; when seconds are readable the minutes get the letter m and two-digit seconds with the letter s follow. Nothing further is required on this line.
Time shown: 1h23m28s
